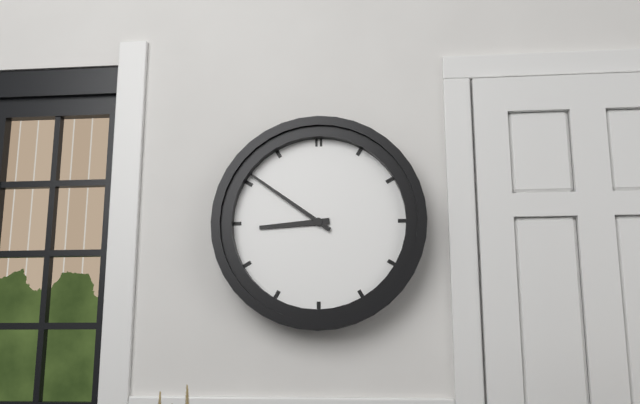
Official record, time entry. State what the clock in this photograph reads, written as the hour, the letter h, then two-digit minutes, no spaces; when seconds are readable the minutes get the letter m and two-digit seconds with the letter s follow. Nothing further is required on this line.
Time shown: 8h51
